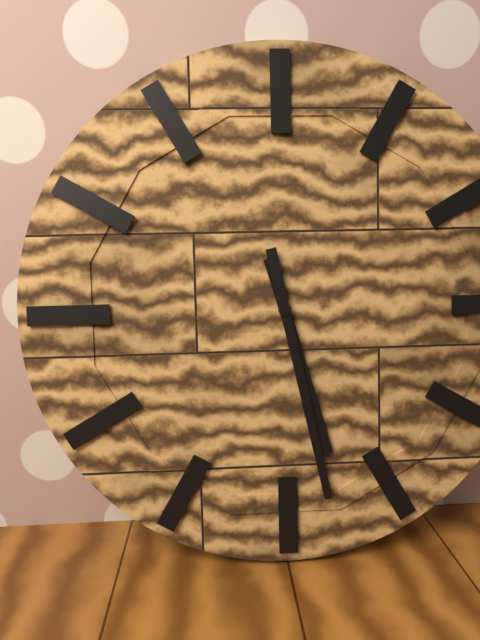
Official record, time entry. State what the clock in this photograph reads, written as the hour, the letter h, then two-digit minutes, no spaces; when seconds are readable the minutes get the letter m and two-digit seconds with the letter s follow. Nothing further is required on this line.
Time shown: 5h28
